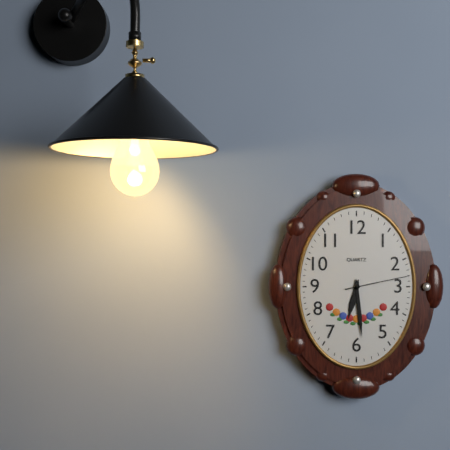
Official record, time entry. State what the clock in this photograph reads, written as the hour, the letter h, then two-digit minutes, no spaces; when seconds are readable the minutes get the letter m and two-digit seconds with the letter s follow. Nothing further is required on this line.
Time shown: 6h29m13s
